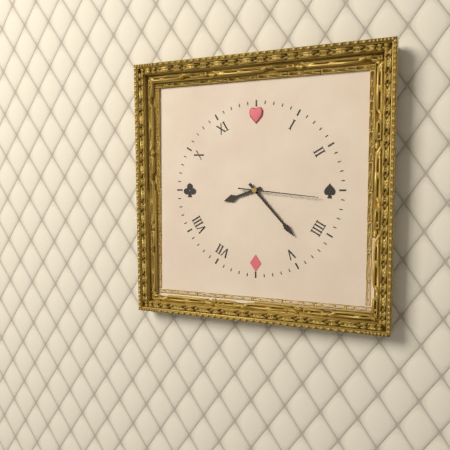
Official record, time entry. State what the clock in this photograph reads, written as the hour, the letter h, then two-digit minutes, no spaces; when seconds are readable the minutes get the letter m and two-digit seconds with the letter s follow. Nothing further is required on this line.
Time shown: 8h23m16s
